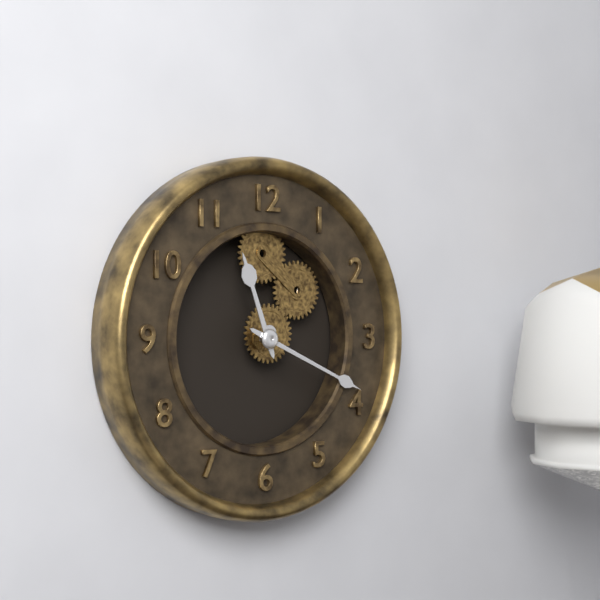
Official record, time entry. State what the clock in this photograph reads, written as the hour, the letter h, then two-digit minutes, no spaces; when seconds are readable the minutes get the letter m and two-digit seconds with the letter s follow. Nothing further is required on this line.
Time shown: 11h19
